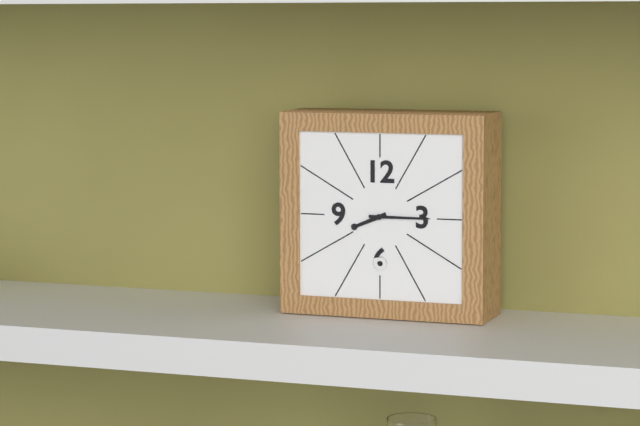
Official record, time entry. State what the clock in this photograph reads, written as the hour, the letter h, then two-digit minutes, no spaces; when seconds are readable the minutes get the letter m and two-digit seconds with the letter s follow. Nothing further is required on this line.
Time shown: 8h15
